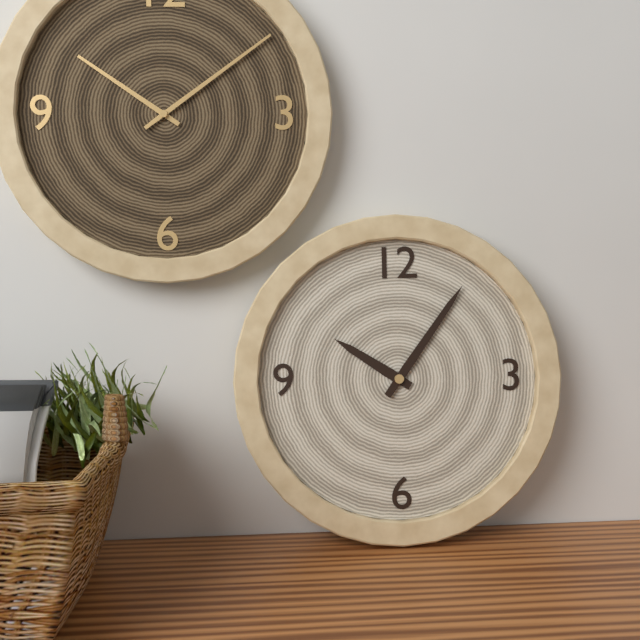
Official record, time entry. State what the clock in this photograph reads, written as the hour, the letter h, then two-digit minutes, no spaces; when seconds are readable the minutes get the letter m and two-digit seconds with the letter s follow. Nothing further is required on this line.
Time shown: 10h06
